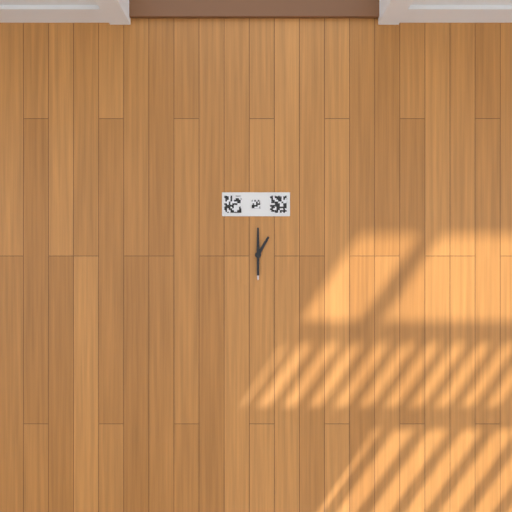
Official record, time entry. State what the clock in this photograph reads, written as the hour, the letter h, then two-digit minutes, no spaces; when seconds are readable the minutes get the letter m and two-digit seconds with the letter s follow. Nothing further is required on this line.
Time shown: 1h00
